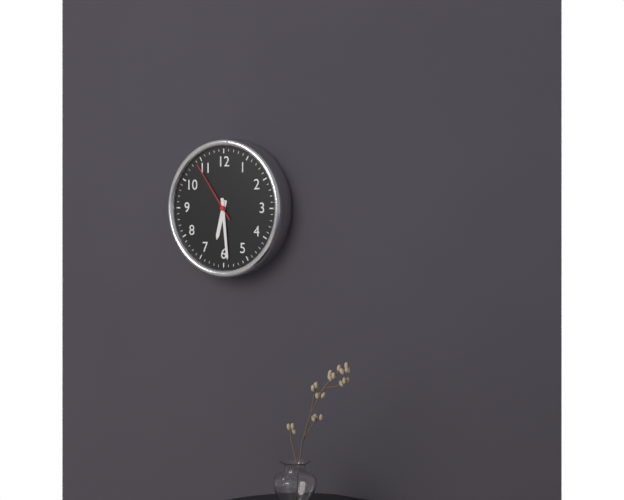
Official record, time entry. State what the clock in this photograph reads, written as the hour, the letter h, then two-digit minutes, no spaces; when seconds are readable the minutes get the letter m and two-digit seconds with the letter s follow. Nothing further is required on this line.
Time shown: 6h29m54s
